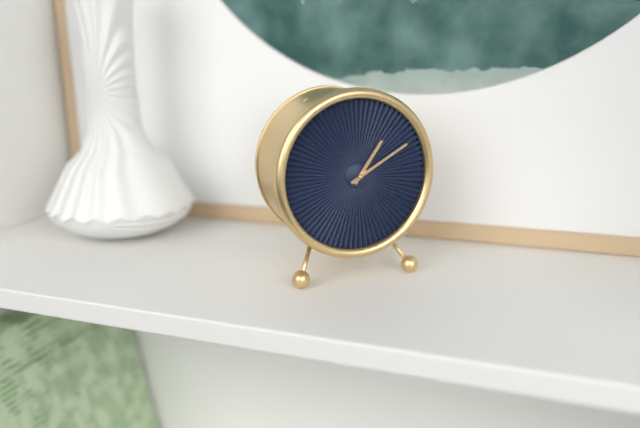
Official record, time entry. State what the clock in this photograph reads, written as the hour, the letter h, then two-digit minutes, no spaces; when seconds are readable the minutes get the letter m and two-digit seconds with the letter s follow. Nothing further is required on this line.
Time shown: 1h10
